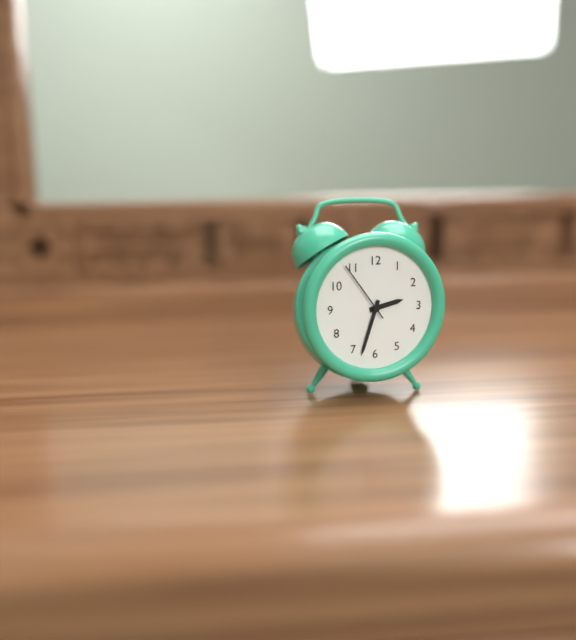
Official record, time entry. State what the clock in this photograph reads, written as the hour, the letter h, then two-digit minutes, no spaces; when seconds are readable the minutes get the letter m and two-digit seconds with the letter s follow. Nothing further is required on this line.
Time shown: 2h33m54s
